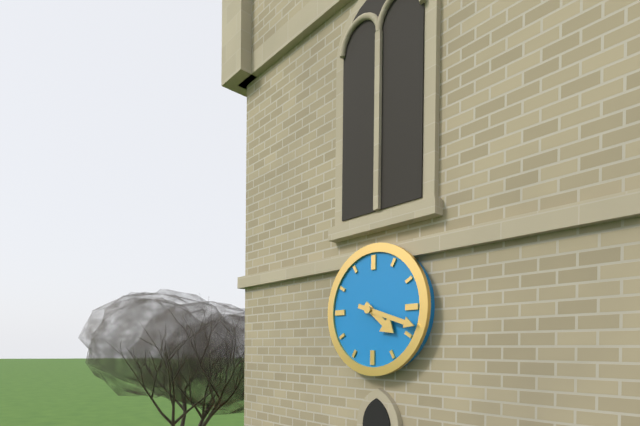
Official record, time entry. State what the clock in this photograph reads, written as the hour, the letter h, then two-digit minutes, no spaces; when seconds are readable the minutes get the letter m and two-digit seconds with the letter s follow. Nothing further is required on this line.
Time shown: 4h18
